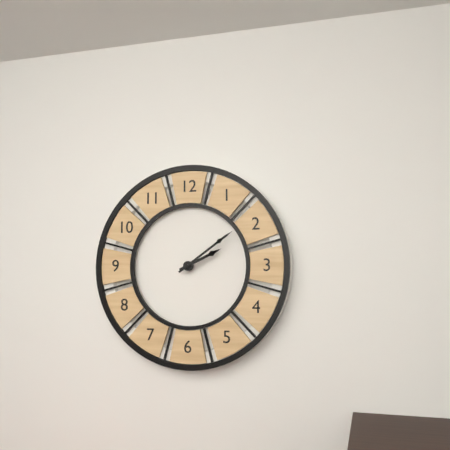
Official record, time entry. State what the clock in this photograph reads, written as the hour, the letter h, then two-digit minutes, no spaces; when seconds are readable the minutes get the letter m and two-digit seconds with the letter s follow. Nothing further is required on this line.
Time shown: 2h09
